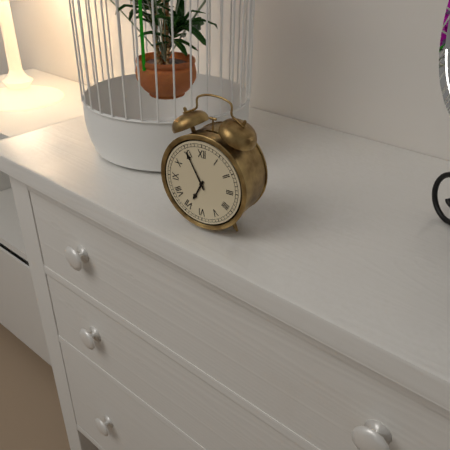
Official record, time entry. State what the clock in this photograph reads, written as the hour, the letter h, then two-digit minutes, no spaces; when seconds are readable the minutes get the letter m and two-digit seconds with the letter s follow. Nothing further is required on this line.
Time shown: 6h55
